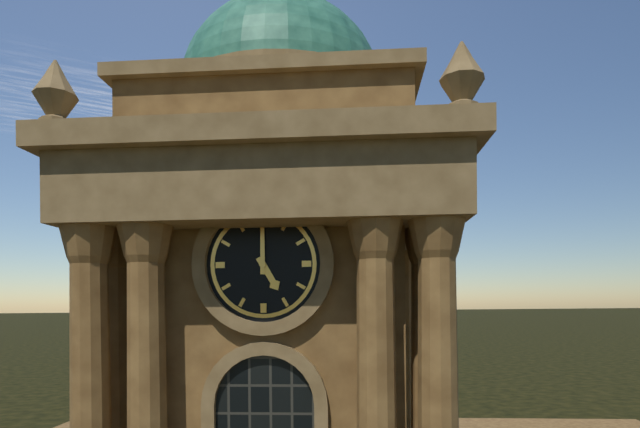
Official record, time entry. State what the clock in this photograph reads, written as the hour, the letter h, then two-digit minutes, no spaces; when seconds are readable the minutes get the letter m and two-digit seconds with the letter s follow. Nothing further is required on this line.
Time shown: 5h00
